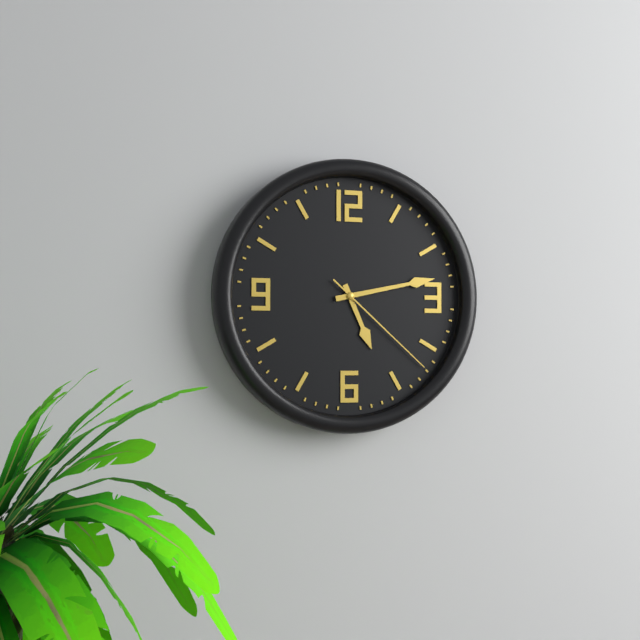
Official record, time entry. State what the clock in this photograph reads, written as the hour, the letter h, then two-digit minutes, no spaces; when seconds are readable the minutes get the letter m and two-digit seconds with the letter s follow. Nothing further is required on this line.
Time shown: 5h13m22s
